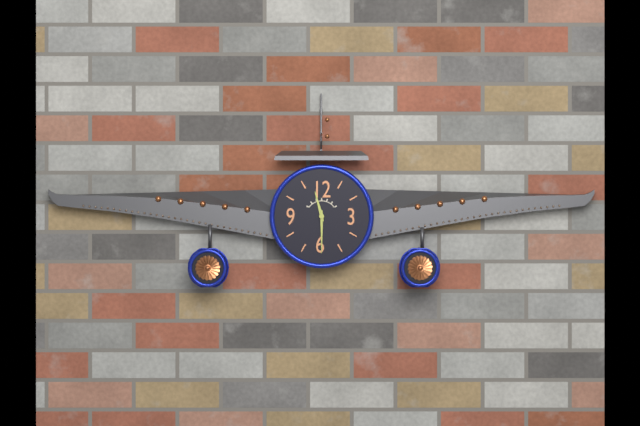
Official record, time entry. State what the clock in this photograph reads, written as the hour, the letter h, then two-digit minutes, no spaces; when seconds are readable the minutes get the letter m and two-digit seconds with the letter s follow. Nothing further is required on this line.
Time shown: 11h30
